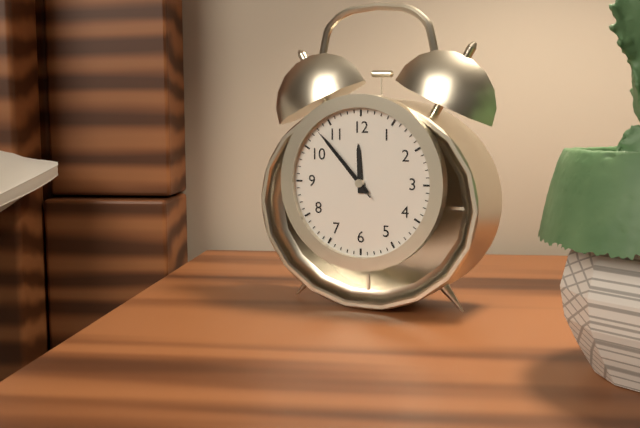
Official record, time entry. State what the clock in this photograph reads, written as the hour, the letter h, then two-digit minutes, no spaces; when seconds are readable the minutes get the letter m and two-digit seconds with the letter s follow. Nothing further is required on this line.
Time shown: 11h53m53s
